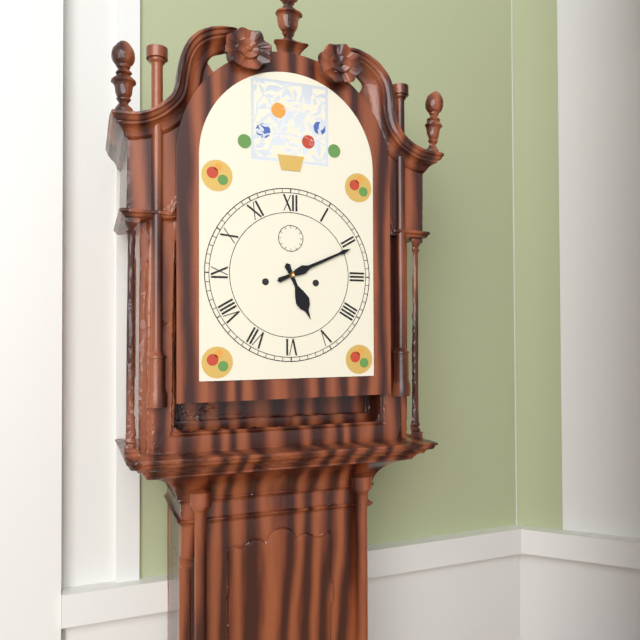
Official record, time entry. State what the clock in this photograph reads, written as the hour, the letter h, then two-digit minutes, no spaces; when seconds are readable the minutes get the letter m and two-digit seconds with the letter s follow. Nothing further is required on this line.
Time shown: 5h11
